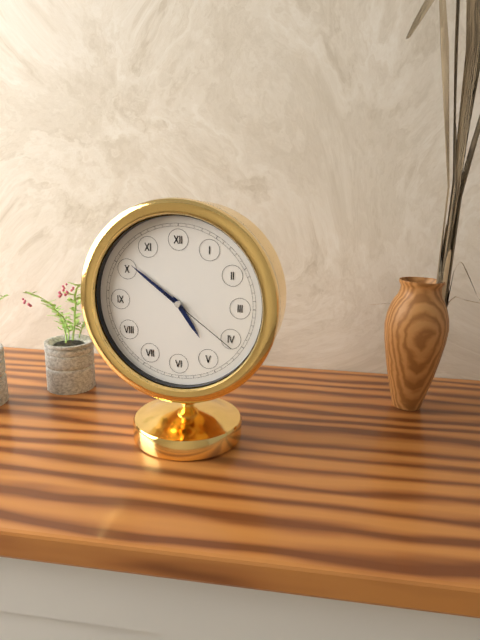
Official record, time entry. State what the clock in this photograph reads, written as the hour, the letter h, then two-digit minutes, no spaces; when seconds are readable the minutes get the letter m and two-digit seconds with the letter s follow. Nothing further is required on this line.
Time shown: 4h51m21s
